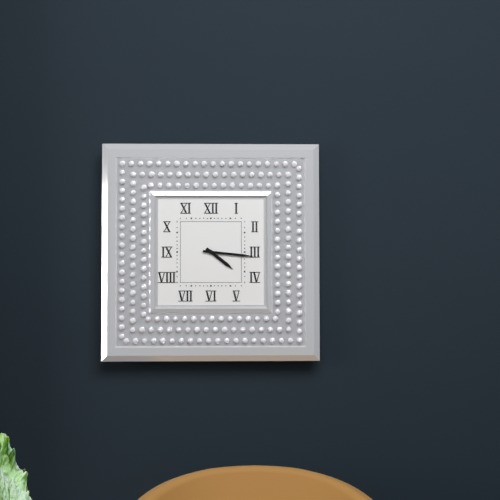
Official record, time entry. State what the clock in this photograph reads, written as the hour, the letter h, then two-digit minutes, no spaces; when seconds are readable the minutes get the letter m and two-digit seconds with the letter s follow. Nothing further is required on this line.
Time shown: 4h16
